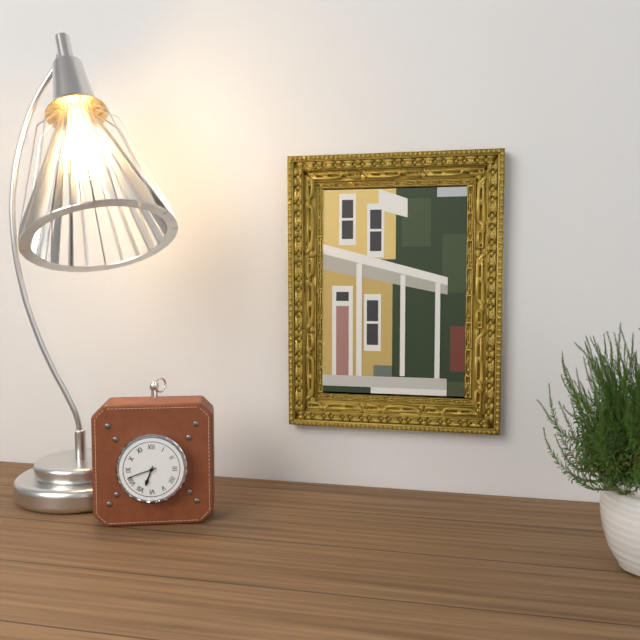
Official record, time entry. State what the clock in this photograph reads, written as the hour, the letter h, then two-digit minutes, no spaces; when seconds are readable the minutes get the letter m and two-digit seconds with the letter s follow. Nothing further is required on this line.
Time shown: 6h42
